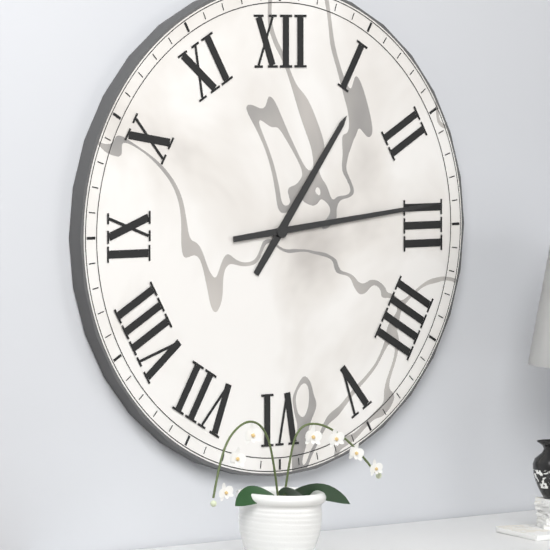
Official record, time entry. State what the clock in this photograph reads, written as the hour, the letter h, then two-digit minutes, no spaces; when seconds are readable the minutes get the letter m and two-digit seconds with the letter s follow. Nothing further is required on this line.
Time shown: 1h14
